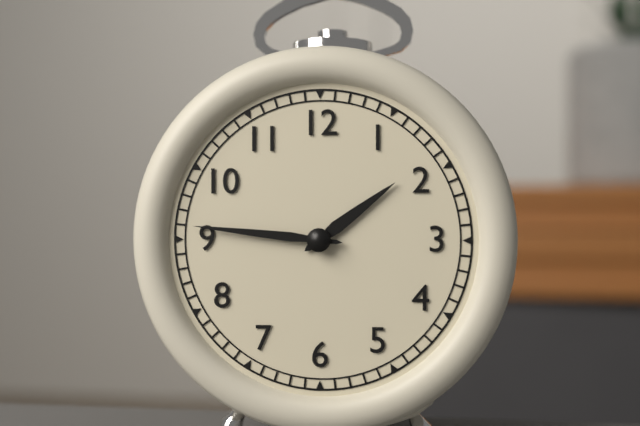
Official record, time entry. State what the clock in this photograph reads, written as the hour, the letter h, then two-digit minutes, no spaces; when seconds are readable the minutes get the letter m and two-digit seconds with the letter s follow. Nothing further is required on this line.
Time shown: 1h46
